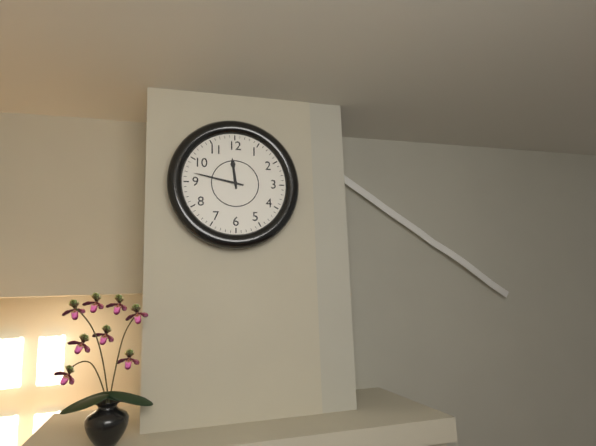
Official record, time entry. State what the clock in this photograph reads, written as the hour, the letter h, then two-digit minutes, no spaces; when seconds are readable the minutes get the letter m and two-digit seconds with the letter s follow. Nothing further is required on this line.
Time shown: 11h47
